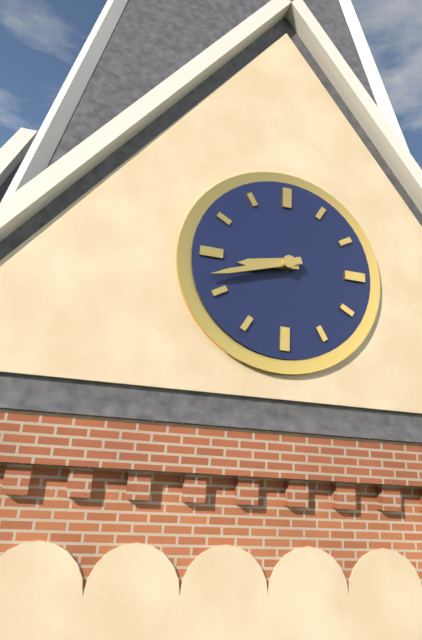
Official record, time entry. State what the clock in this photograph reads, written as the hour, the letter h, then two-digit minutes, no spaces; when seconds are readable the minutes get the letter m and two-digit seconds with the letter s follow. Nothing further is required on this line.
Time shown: 8h42
